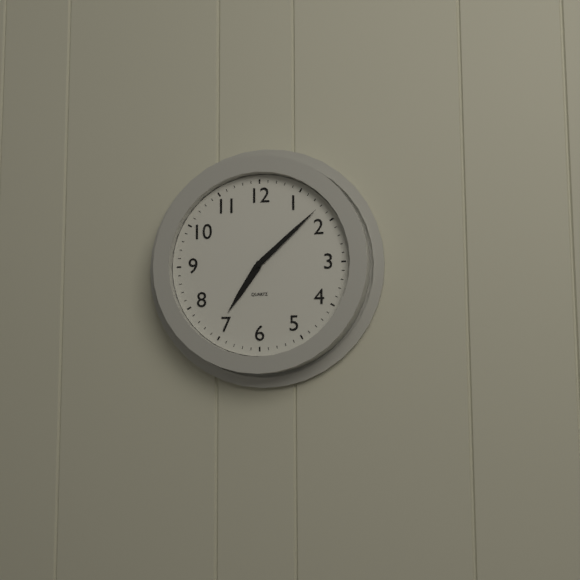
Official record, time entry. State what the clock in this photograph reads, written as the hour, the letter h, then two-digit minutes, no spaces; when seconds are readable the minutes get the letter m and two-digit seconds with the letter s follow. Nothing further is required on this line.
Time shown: 7h08
